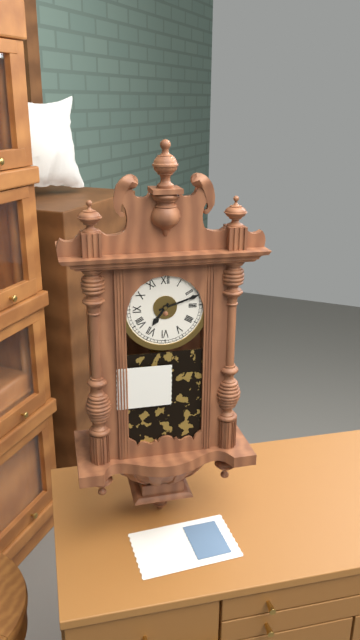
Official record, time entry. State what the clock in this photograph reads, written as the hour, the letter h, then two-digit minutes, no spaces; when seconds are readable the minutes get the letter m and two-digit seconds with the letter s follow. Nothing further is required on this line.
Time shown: 7h12
